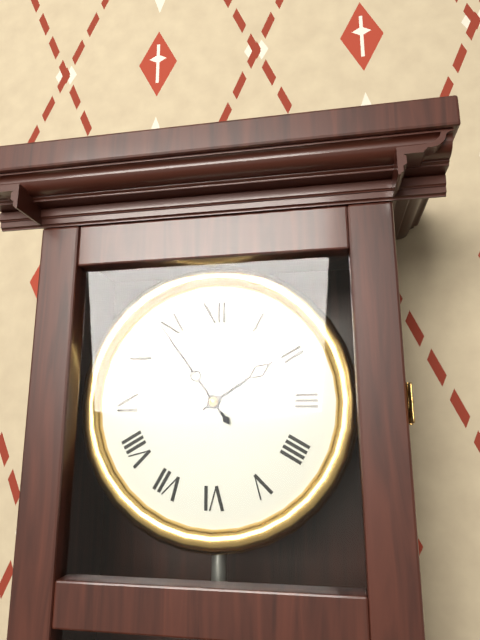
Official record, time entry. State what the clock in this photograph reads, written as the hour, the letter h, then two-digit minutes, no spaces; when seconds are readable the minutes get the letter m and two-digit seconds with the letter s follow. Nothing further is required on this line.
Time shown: 1h54
